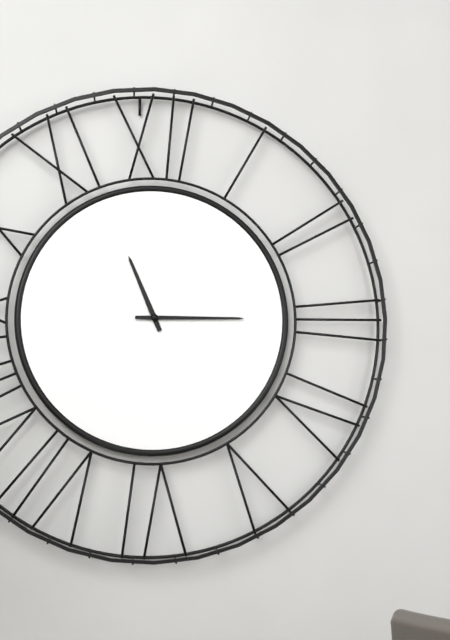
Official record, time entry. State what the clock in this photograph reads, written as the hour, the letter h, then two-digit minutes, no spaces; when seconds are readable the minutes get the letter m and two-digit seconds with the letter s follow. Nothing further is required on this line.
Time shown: 11h15
